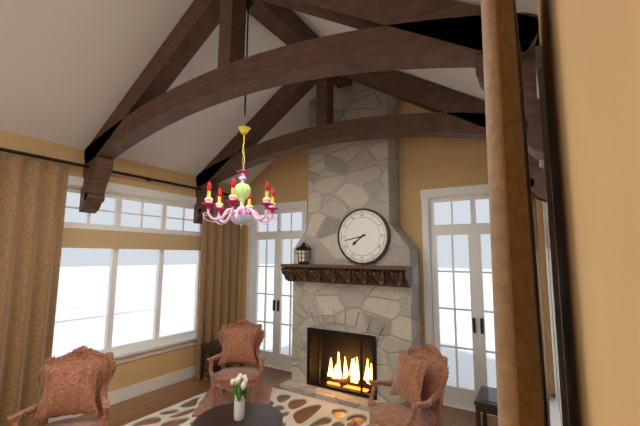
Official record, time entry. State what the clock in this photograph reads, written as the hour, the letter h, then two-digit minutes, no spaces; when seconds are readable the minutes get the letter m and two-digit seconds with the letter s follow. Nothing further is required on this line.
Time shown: 7h43
